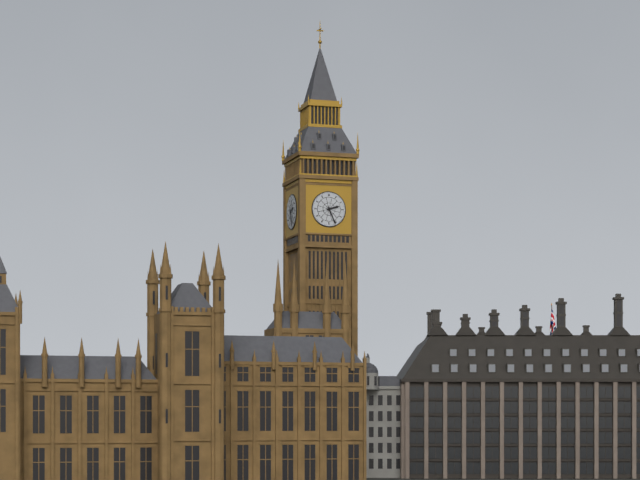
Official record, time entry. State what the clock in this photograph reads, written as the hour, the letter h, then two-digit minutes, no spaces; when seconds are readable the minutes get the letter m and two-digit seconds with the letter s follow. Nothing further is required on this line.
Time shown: 2h26
